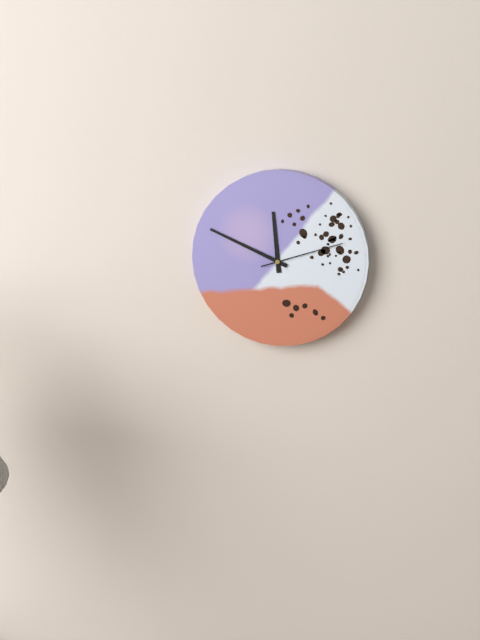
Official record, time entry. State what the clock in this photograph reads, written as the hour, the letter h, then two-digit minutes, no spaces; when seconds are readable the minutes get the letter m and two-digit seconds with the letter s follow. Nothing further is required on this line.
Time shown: 11h49m12s
